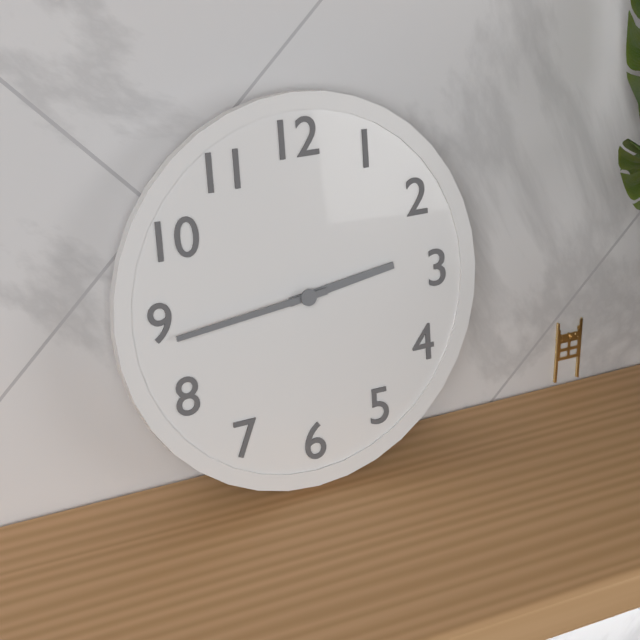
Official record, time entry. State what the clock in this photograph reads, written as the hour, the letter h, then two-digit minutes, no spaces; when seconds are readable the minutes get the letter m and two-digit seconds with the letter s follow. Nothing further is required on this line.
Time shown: 2h44
